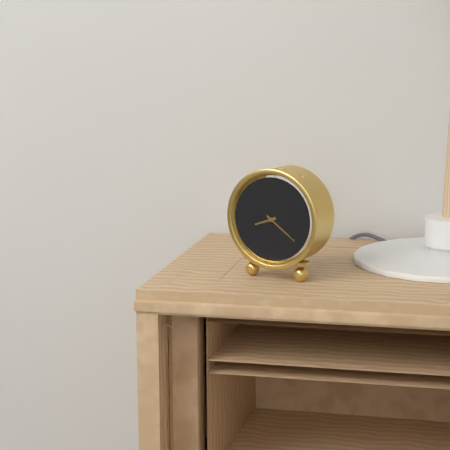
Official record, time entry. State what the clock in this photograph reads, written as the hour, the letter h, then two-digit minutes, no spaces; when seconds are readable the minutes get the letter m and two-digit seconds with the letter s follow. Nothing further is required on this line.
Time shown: 8h21
